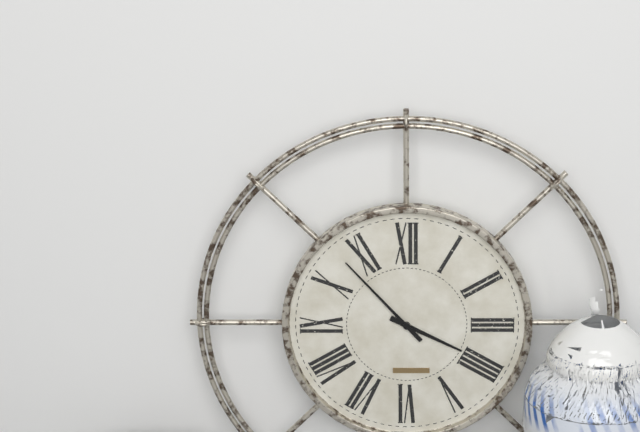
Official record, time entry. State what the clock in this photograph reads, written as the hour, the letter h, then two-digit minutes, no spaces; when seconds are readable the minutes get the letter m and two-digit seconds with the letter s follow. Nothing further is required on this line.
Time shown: 3h53
